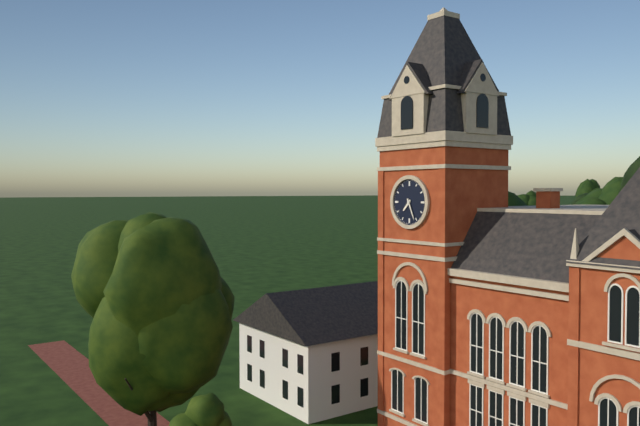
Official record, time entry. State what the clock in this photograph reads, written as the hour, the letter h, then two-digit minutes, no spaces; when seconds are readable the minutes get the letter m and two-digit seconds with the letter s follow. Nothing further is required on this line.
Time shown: 7h26
